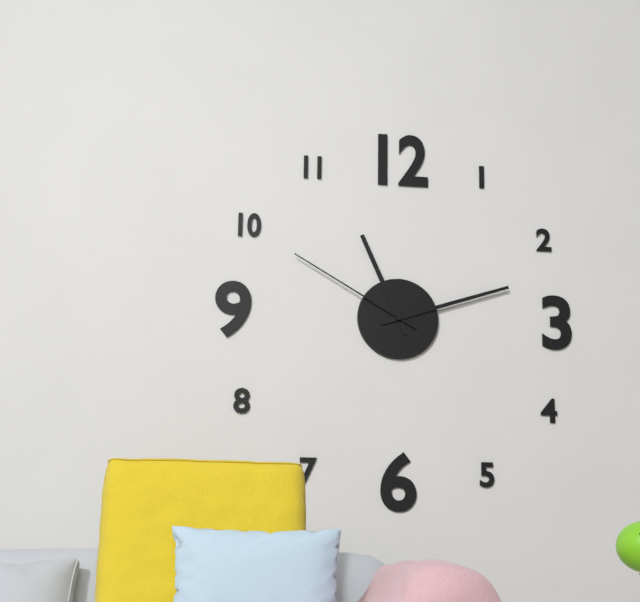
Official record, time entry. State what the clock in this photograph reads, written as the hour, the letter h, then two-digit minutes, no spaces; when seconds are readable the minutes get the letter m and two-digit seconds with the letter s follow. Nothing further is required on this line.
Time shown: 11h12m50s
